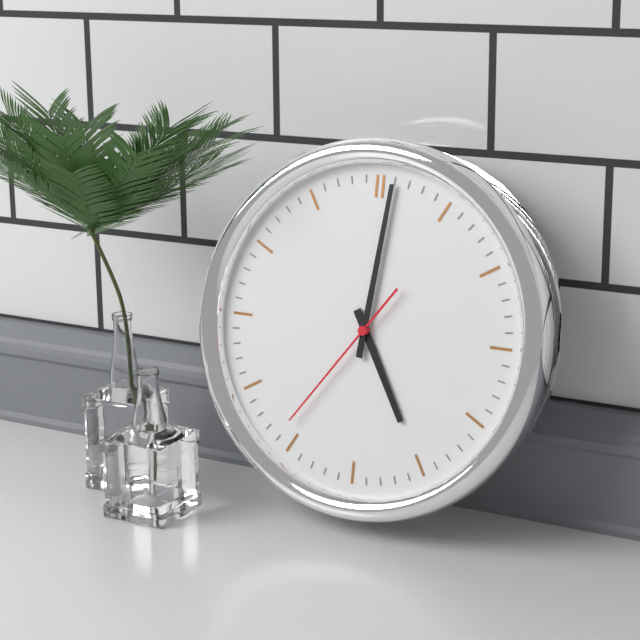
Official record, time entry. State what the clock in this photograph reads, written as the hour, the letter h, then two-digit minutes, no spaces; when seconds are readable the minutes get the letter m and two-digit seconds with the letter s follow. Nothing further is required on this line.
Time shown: 5h01m36s
